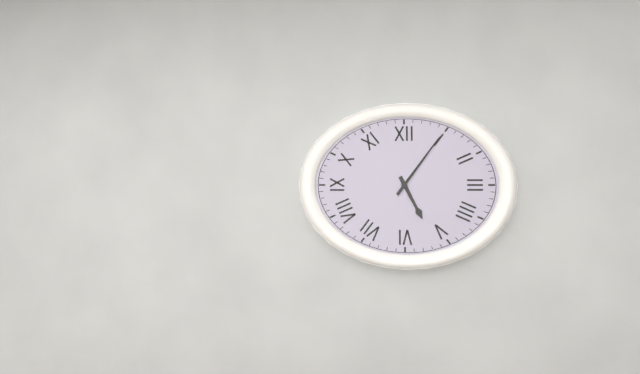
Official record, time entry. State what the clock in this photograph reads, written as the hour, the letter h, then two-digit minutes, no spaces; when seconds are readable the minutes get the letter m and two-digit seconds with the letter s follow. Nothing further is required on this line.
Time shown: 5h06
